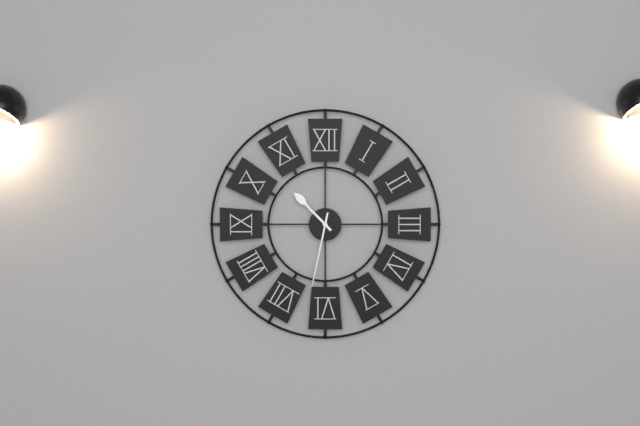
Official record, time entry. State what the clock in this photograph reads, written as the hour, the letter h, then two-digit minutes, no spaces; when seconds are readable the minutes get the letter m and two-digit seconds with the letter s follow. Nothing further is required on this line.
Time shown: 10h32
